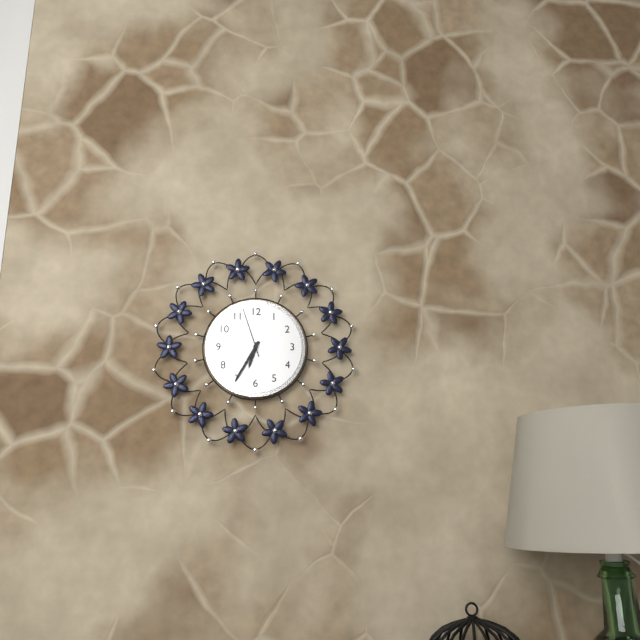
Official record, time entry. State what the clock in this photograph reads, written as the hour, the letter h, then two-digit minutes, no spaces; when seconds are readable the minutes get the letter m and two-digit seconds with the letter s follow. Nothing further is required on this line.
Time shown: 6h35m57s
